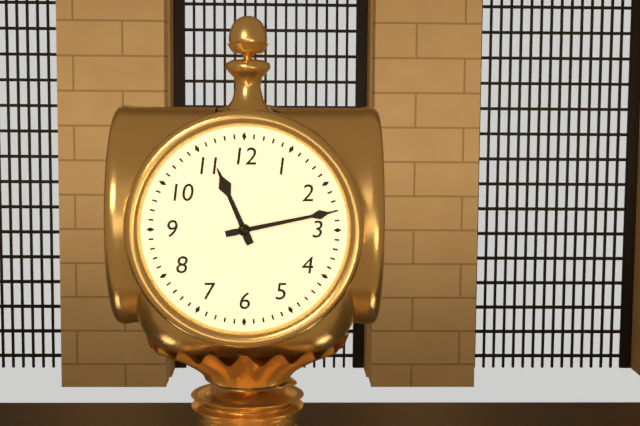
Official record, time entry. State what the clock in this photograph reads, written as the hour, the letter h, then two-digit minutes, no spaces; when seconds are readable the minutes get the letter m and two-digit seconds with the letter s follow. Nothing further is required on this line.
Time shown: 11h13
